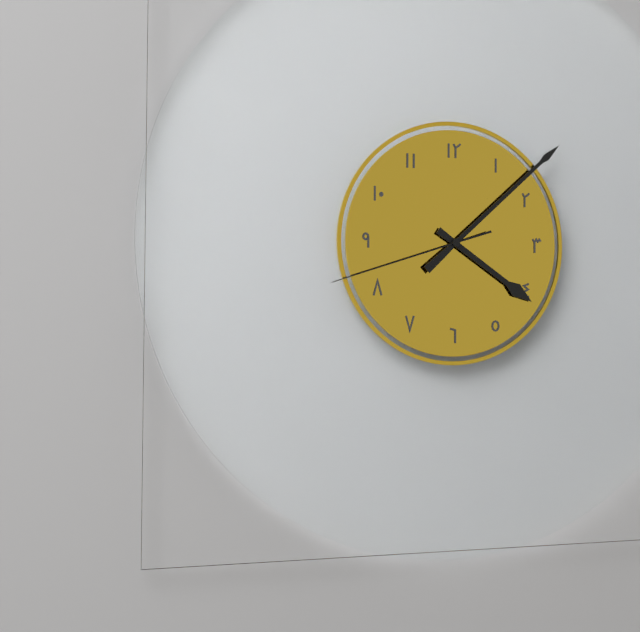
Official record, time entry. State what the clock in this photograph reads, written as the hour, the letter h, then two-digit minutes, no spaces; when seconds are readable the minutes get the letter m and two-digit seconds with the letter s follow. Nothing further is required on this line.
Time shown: 4h08m42s
